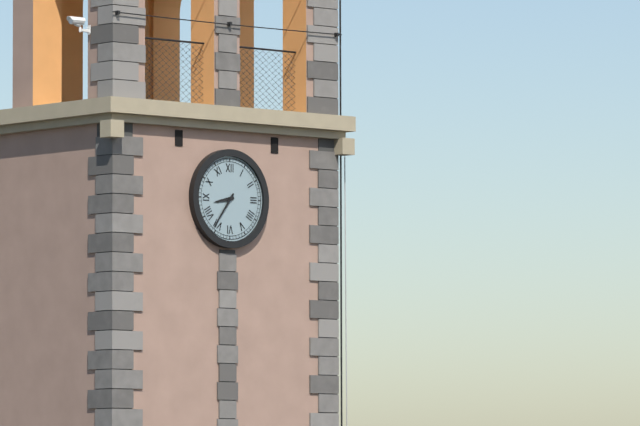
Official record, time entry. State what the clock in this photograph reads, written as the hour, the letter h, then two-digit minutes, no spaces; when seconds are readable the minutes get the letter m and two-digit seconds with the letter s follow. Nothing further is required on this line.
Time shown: 8h36
